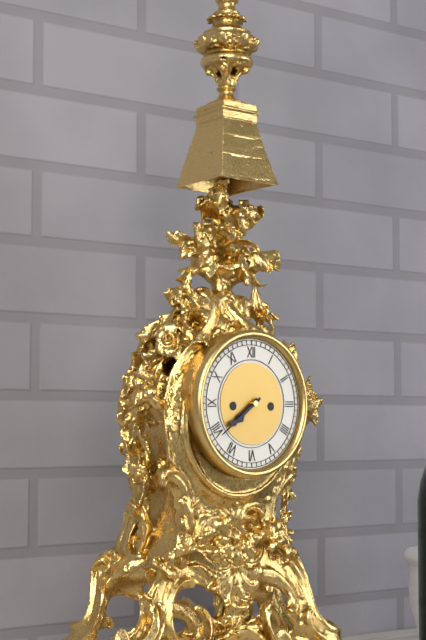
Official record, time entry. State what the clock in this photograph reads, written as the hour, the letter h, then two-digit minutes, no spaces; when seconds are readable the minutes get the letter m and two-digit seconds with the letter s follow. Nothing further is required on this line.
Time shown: 7h39
